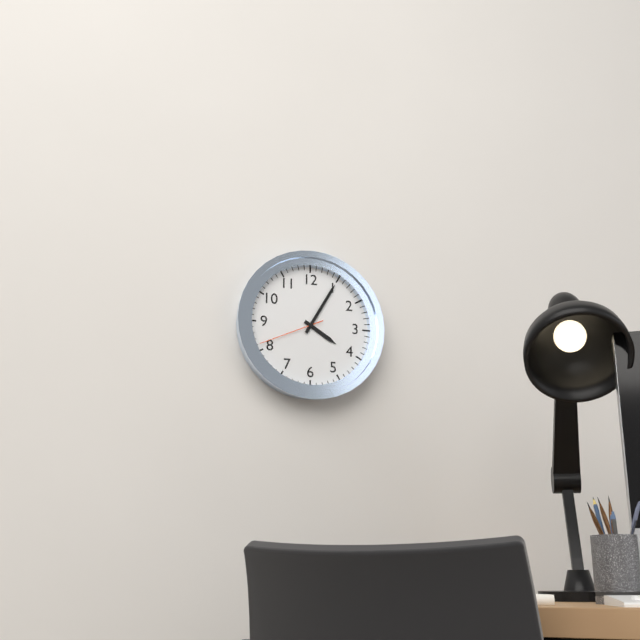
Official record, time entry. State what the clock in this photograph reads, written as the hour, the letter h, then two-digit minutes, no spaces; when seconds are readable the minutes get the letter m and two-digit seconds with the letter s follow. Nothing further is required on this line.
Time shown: 4h05m41s
